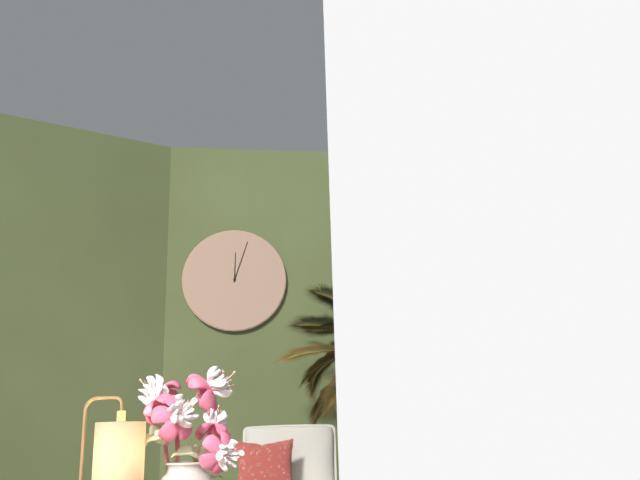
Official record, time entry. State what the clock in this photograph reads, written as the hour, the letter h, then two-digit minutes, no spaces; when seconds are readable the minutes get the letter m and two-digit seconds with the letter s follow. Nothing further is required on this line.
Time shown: 12h03
